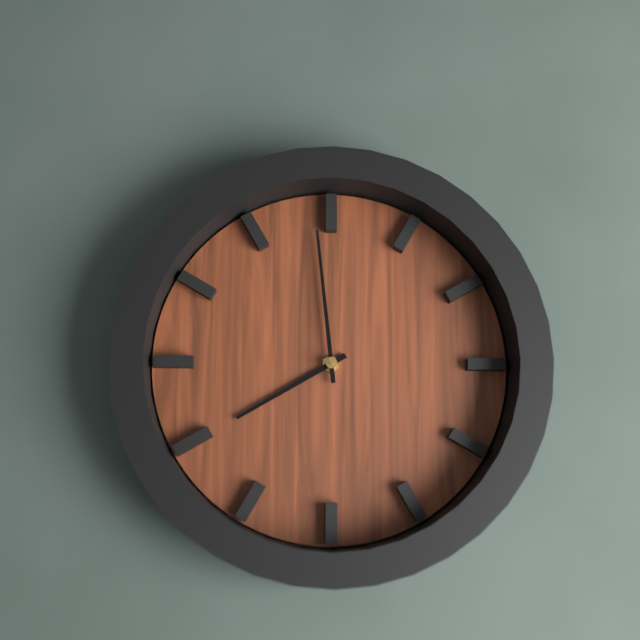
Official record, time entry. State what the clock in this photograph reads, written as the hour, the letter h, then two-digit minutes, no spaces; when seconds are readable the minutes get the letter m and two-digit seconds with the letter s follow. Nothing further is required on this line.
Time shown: 7h59
